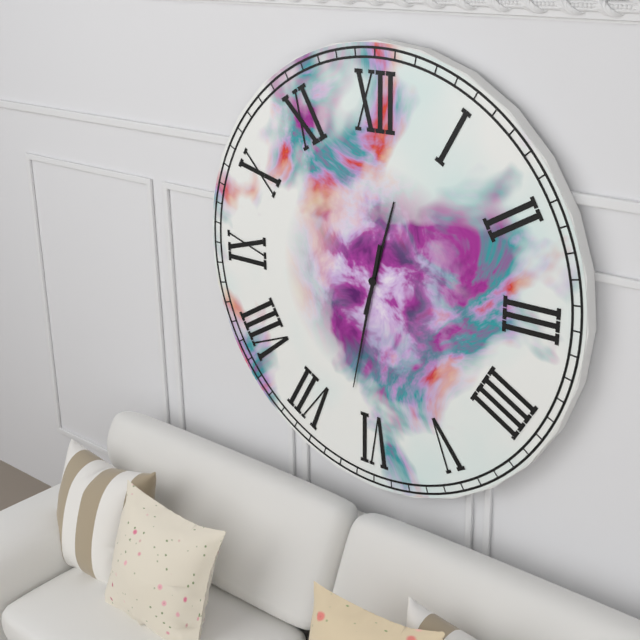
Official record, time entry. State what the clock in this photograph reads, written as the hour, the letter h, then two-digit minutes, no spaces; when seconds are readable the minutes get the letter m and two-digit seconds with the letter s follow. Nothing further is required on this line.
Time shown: 12h32
